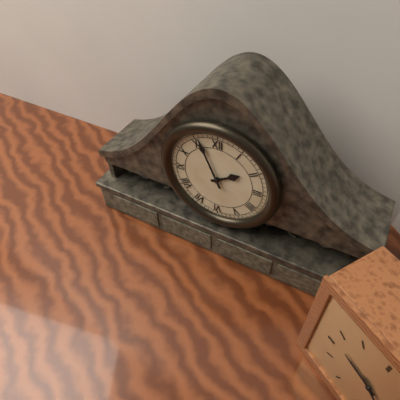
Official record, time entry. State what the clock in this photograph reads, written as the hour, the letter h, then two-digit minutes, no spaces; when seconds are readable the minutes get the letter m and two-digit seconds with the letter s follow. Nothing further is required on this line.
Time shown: 1h56
